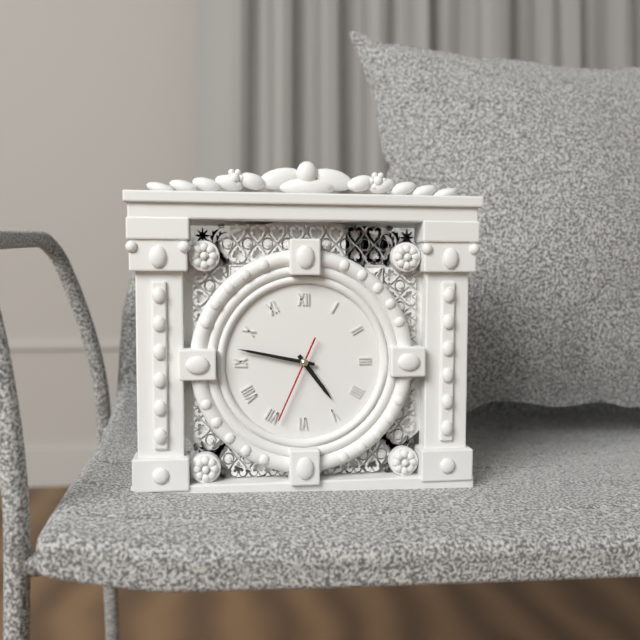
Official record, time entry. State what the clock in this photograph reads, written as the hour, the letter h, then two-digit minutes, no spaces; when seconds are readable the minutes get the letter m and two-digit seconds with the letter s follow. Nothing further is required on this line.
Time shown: 4h47m34s
